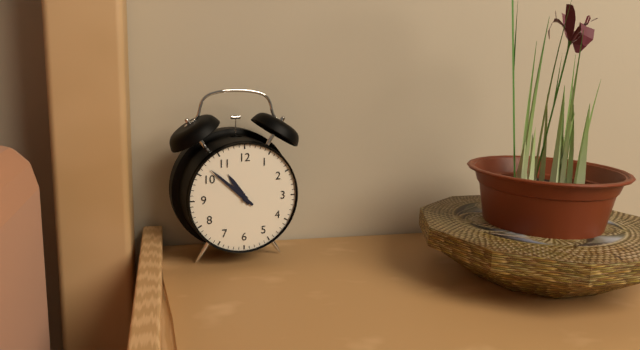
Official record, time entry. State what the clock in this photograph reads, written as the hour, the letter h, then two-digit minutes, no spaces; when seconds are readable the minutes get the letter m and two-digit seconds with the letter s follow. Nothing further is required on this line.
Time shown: 10h52
